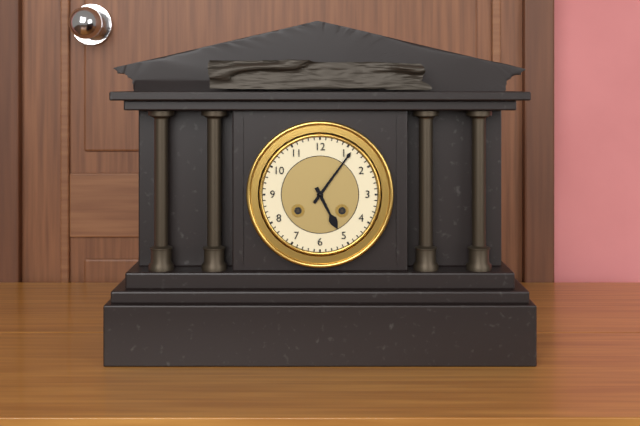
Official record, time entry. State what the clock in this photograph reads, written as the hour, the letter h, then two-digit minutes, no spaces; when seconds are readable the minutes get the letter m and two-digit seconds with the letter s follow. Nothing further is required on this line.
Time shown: 5h06
